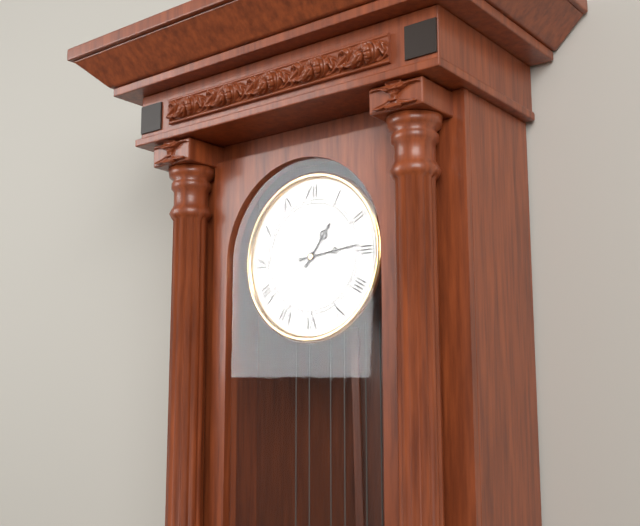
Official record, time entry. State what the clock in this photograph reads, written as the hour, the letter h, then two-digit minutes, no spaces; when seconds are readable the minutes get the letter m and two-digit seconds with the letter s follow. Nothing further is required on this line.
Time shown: 1h14
